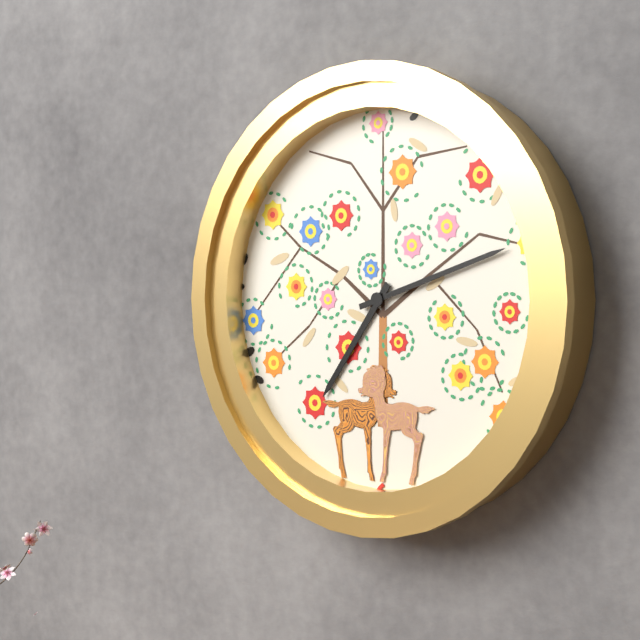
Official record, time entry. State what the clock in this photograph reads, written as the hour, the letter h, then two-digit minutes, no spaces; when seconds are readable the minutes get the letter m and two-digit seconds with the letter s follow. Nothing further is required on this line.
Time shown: 7h12
